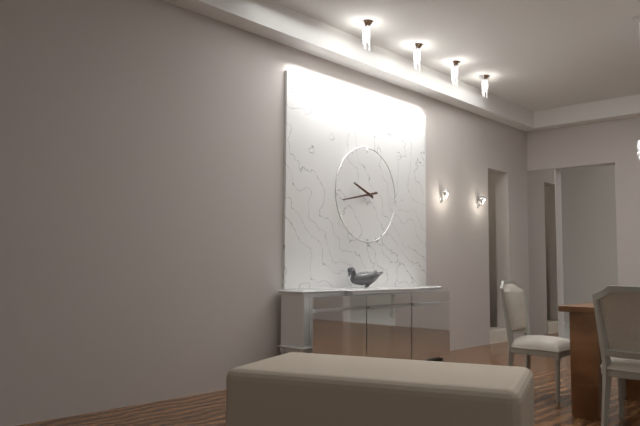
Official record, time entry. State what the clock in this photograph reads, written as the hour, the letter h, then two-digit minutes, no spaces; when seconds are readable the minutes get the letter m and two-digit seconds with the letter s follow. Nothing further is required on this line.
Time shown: 9h43
